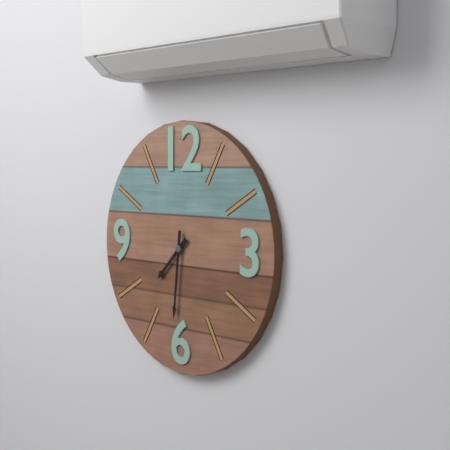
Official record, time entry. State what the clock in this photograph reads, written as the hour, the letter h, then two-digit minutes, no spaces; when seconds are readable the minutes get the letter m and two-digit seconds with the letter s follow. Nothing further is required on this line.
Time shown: 7h31
